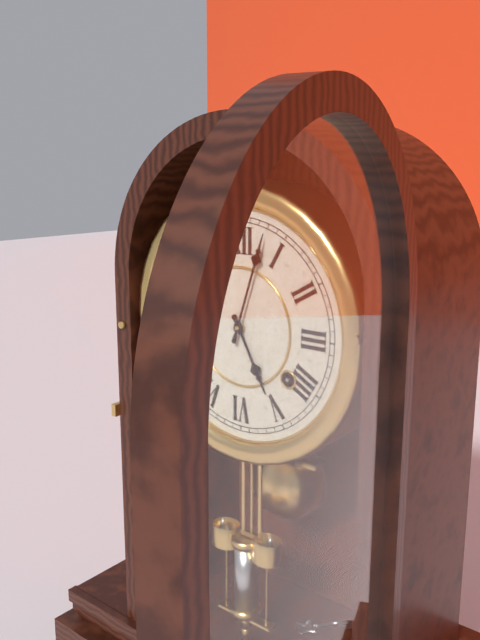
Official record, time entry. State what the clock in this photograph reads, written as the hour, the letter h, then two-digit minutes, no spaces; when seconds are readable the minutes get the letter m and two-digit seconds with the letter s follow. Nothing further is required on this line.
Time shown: 5h03
